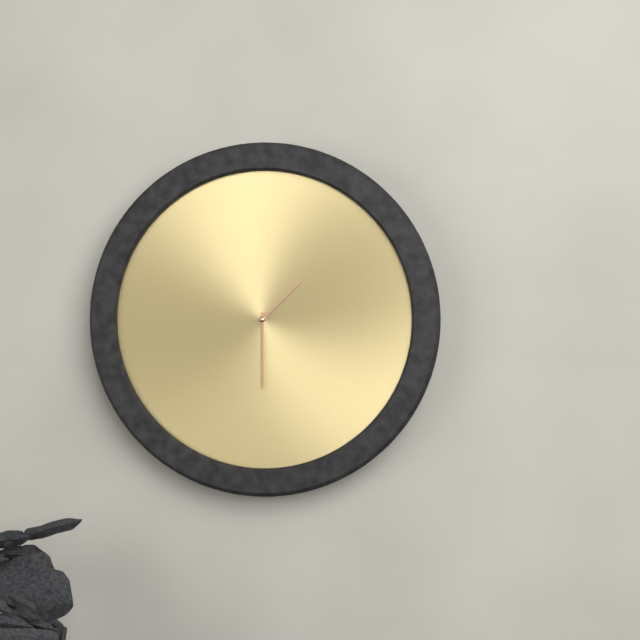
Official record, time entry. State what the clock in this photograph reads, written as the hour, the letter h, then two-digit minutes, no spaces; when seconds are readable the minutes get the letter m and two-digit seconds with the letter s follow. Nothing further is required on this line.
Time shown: 1h30
